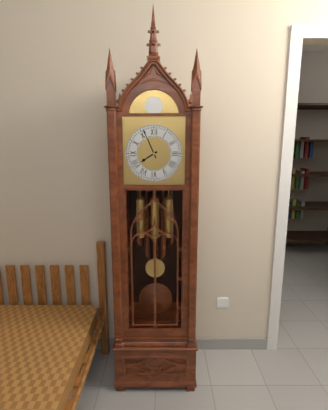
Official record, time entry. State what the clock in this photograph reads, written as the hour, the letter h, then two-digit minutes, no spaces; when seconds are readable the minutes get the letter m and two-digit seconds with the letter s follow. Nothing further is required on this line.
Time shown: 7h56
